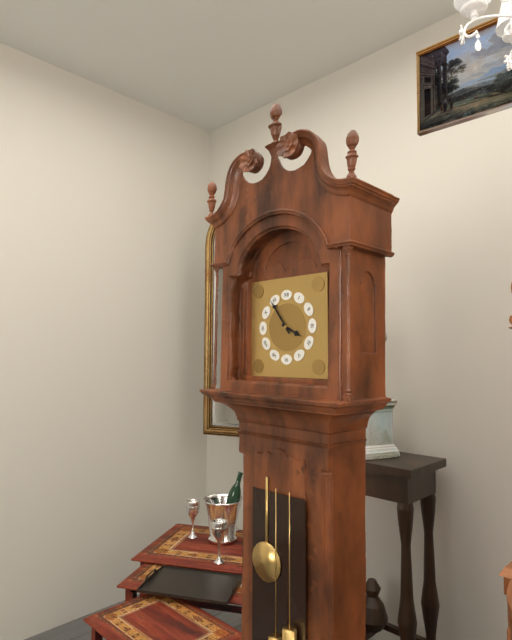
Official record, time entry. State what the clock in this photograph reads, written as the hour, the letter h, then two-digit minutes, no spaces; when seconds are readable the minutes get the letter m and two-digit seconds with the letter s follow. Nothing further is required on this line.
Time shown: 3h54
